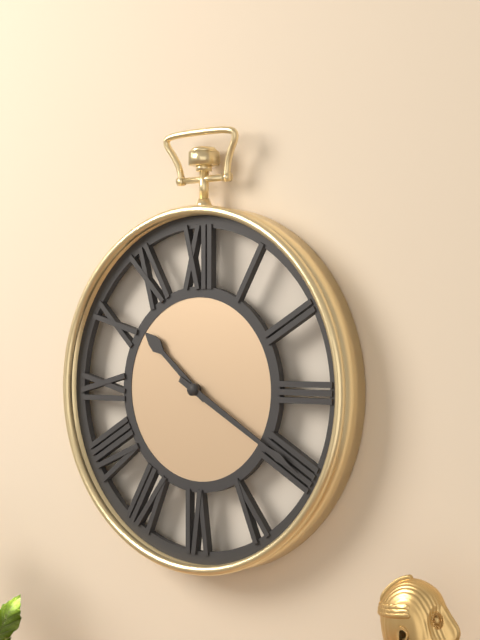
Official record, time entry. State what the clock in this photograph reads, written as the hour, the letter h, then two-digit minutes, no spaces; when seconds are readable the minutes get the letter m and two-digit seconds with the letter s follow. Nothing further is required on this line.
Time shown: 10h20
